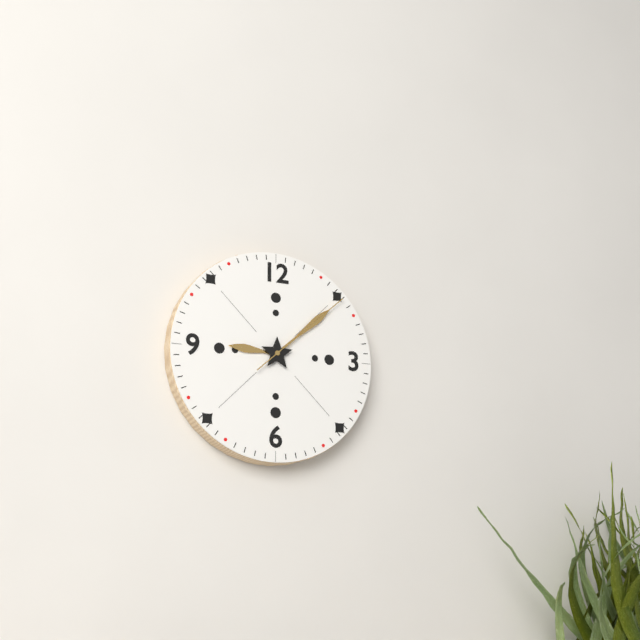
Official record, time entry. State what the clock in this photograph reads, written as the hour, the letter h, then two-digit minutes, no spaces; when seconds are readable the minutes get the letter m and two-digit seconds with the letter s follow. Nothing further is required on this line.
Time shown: 9h08m08s
